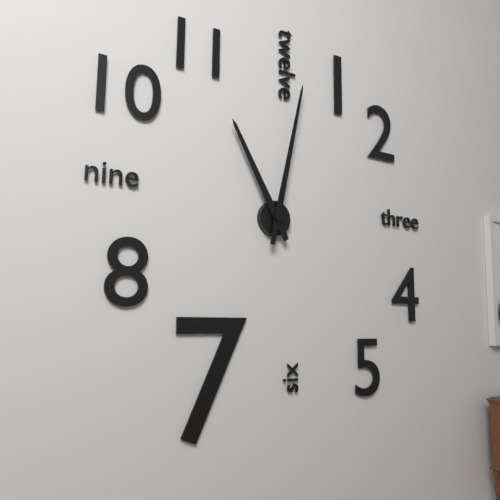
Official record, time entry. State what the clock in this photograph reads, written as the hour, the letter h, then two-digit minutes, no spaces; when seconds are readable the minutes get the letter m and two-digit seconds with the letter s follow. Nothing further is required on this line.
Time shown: 11h02
